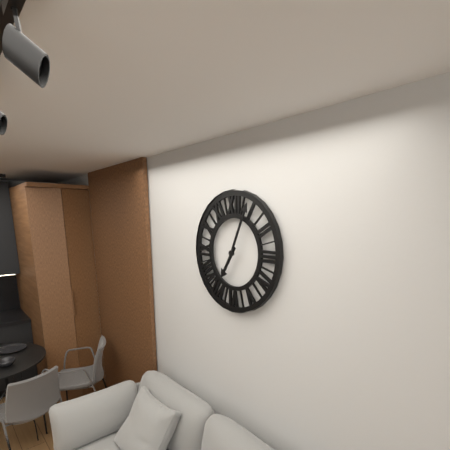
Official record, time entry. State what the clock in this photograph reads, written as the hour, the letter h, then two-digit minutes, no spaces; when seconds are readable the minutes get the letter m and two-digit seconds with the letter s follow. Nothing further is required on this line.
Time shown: 7h04
